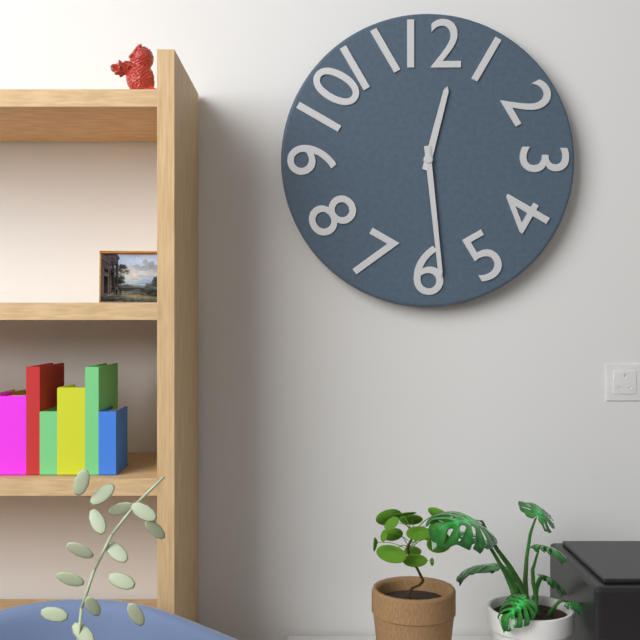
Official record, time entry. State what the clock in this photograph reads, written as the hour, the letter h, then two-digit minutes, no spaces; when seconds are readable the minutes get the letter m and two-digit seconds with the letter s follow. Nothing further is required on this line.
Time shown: 12h29
